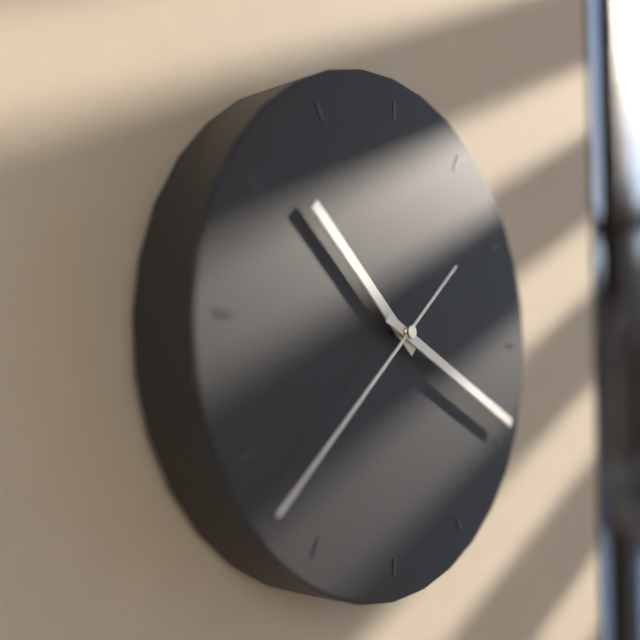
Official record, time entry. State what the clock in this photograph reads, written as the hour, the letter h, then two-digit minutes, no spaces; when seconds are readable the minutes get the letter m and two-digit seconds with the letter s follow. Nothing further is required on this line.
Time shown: 10h19m38s
